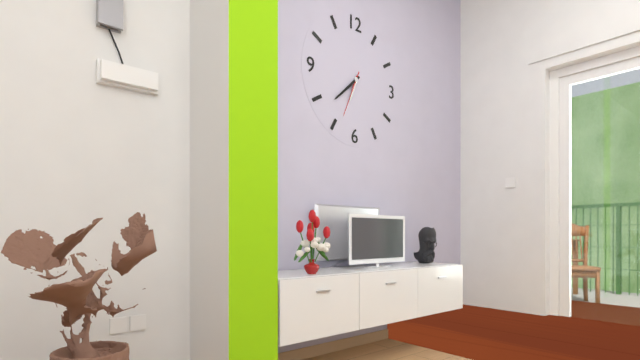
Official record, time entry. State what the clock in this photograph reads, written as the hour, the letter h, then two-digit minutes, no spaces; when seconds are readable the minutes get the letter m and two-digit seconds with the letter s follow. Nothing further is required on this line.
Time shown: 6h38
